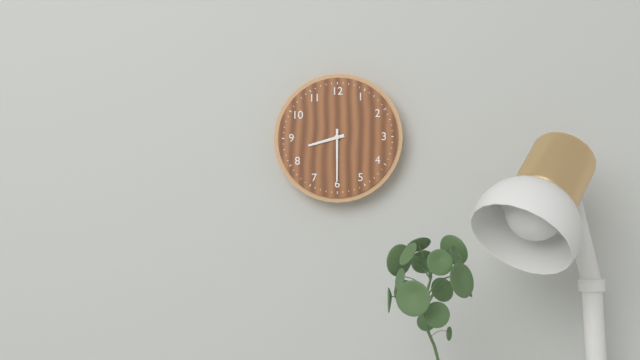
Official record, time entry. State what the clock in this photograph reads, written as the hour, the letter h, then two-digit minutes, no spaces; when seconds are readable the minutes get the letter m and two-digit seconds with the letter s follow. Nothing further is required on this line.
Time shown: 8h30
